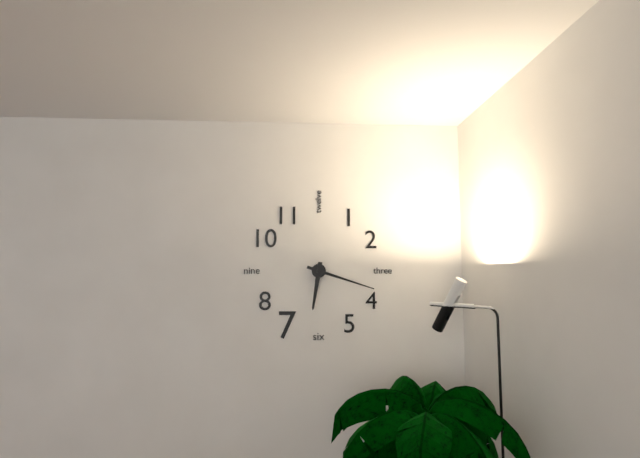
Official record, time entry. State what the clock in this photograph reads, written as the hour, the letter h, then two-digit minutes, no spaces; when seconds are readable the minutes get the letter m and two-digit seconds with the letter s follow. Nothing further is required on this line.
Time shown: 6h18
